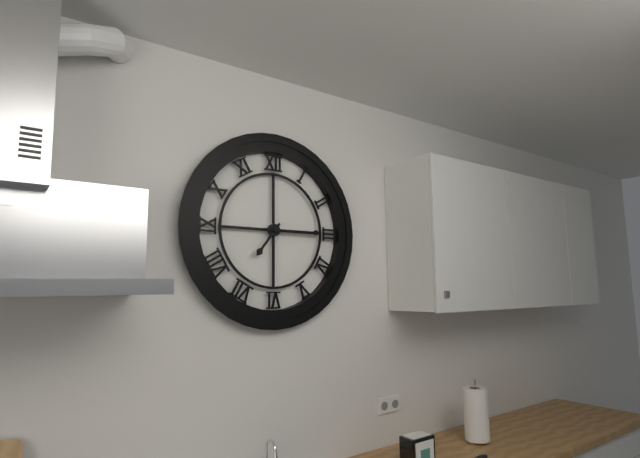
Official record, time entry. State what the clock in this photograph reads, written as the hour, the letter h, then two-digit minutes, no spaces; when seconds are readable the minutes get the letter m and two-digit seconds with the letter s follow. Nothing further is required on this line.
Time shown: 7h15
